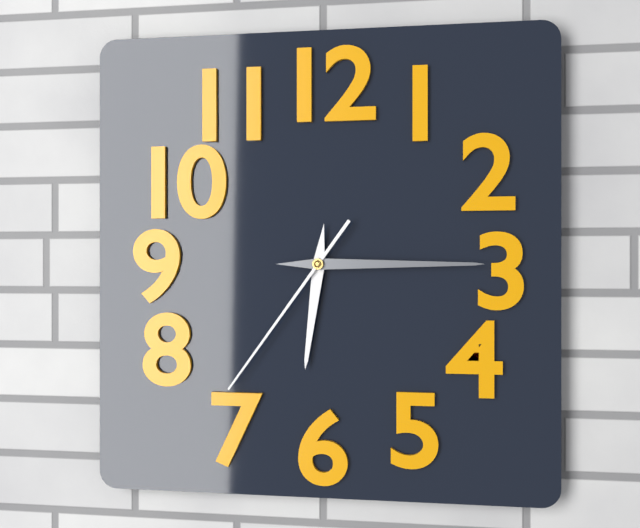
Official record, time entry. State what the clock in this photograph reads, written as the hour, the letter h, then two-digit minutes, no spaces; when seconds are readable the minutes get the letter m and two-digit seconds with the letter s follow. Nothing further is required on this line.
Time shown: 6h15m36s
